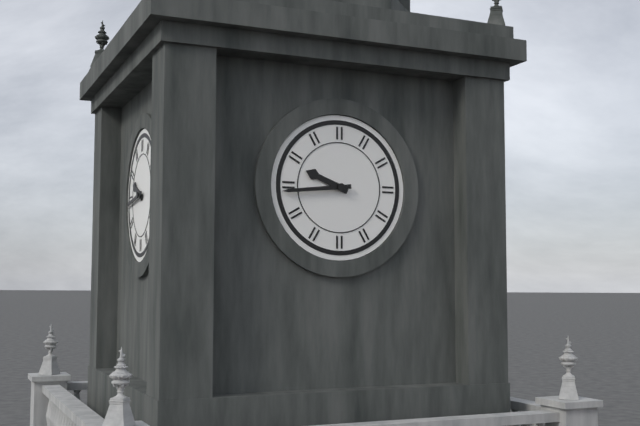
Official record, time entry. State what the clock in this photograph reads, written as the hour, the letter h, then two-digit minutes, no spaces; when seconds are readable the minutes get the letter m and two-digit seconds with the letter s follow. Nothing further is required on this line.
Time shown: 9h44
